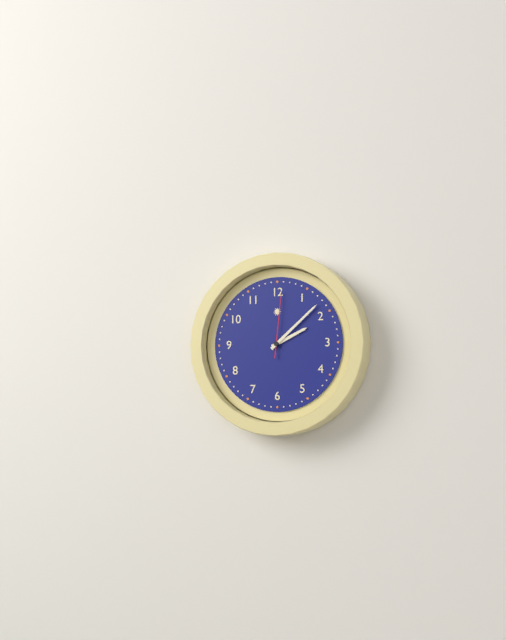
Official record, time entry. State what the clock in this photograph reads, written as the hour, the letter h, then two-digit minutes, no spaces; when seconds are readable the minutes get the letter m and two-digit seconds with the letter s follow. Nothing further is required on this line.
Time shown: 2h08m01s
